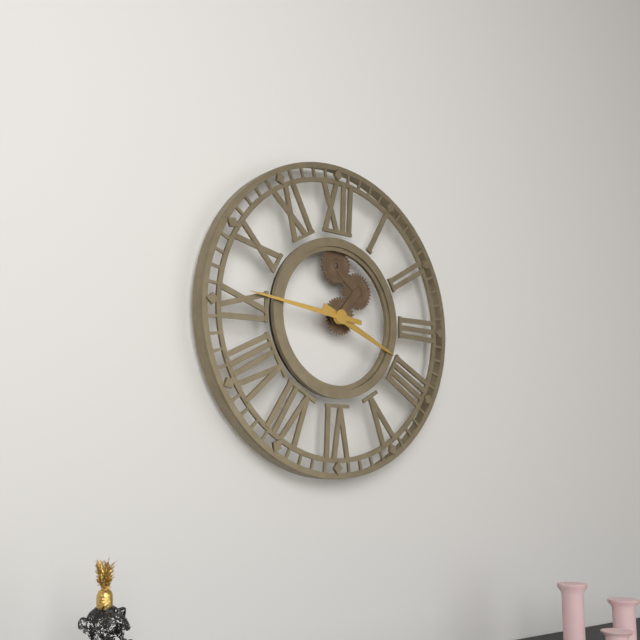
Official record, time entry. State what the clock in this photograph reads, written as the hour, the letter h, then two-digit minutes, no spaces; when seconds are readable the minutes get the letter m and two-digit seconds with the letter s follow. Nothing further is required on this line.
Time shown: 3h46
